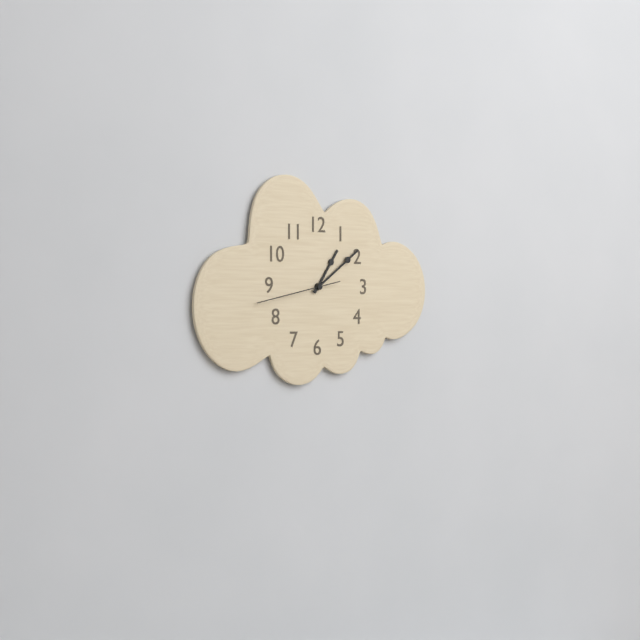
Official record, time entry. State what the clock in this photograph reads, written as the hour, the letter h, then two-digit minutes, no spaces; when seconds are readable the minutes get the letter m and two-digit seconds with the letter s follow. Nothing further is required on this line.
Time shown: 1h09m43s
